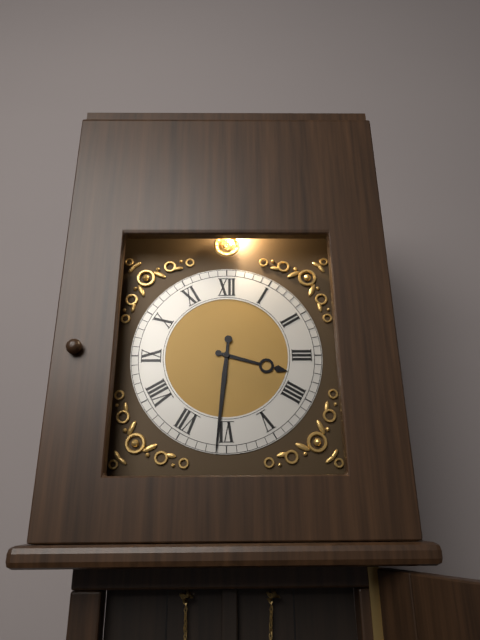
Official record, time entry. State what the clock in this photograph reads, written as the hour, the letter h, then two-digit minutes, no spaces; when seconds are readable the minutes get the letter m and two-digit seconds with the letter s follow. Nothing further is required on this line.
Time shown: 3h31
